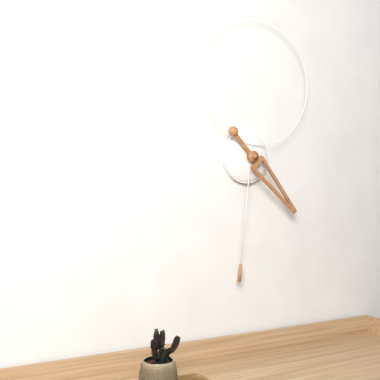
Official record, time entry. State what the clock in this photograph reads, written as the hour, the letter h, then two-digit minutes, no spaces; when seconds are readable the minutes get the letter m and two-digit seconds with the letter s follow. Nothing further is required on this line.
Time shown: 4h31
